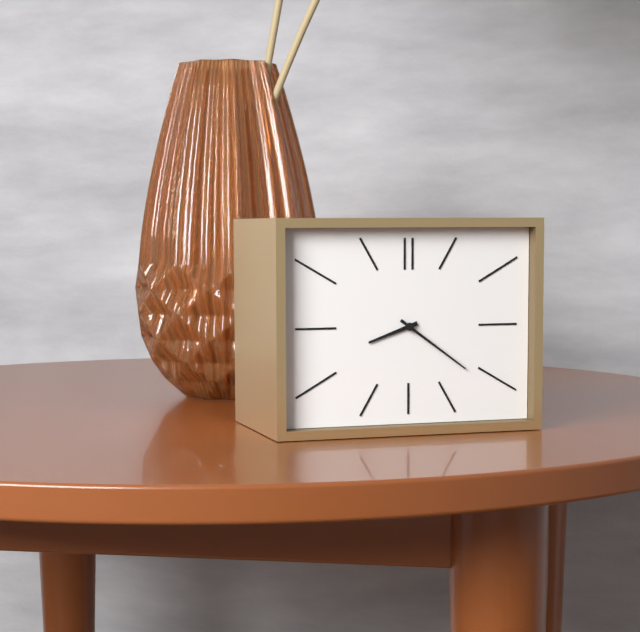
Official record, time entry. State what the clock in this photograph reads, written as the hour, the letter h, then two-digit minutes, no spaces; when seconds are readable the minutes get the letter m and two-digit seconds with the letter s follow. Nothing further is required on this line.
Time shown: 8h21
